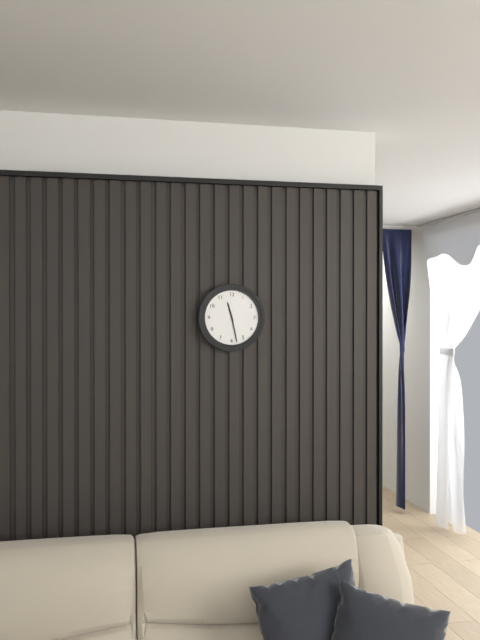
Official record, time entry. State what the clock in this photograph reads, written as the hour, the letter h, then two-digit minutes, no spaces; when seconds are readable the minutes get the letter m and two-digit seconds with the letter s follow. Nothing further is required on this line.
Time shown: 11h28
